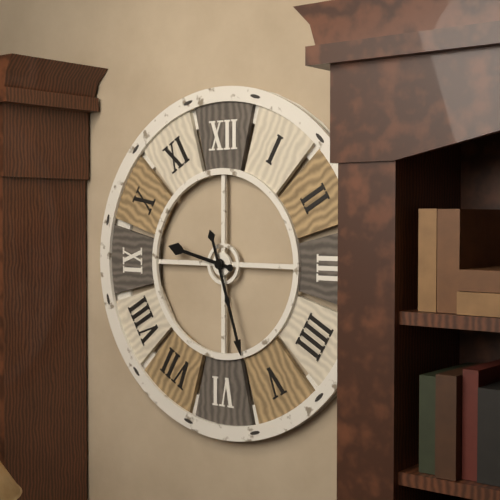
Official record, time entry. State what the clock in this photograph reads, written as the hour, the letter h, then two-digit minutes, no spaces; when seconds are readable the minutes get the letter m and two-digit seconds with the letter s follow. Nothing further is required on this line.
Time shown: 9h27
